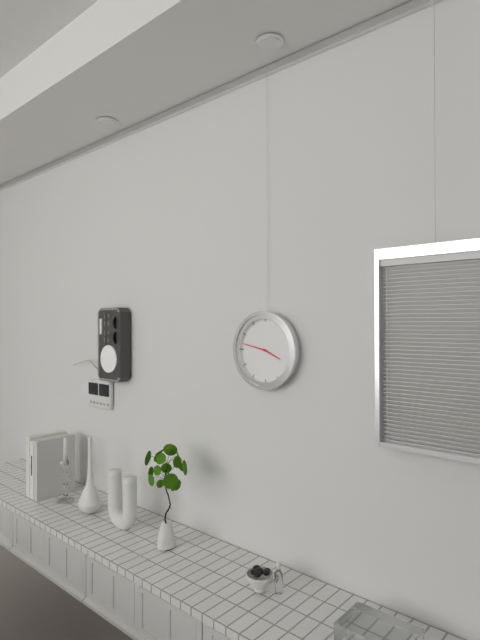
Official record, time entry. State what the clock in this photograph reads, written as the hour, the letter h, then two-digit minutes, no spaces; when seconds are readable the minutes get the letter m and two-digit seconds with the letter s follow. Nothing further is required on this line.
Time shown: 3h47
